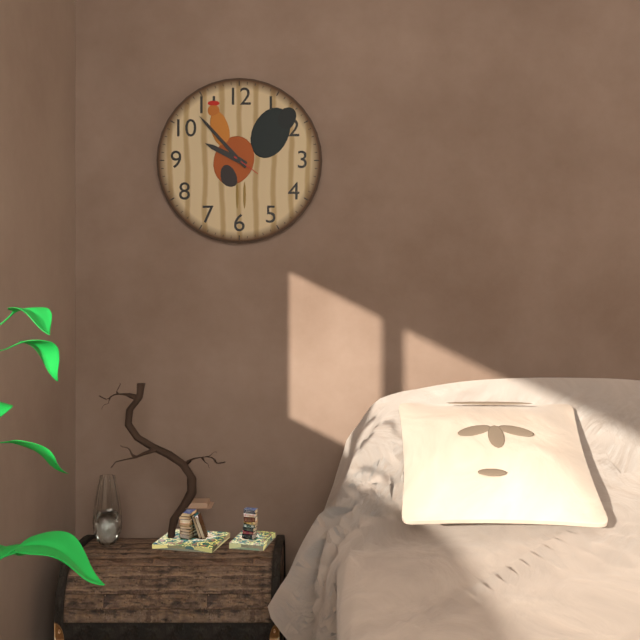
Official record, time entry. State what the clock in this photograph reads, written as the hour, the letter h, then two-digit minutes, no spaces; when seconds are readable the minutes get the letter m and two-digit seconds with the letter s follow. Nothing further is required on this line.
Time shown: 9h53
